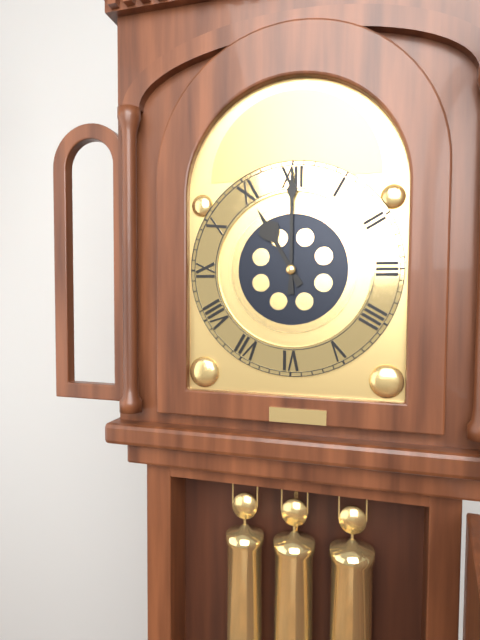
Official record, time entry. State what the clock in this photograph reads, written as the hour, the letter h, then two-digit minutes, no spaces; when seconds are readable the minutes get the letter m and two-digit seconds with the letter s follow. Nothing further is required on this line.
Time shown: 11h00
